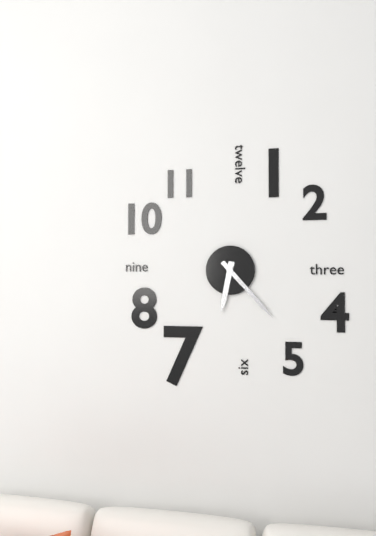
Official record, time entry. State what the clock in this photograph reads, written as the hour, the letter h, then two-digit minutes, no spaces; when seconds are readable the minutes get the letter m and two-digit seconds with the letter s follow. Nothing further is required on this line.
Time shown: 6h23
